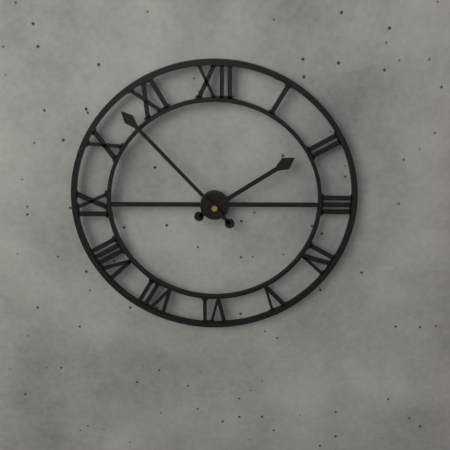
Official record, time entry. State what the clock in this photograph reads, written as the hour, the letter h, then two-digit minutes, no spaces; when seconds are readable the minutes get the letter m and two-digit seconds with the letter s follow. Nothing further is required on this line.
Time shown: 1h53
